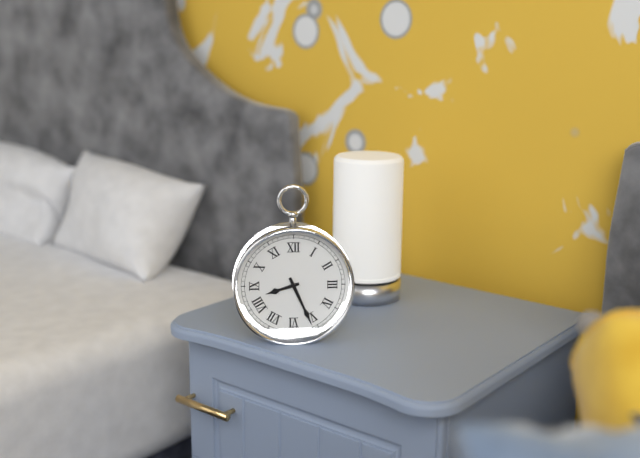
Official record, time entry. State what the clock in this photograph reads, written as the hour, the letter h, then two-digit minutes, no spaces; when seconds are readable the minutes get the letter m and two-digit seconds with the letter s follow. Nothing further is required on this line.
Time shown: 8h26
